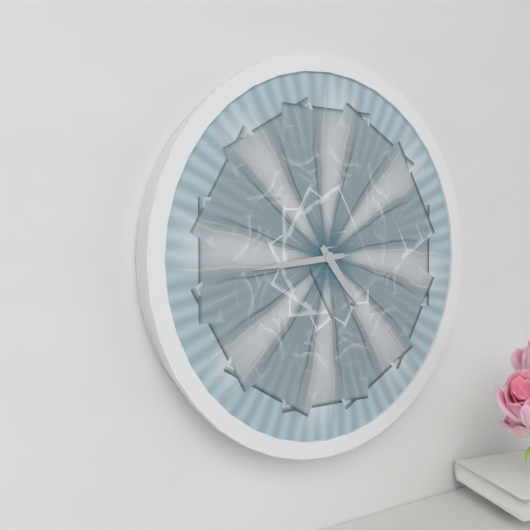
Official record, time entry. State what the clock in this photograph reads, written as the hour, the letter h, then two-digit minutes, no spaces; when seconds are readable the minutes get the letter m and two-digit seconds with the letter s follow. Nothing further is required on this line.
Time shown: 4h44
